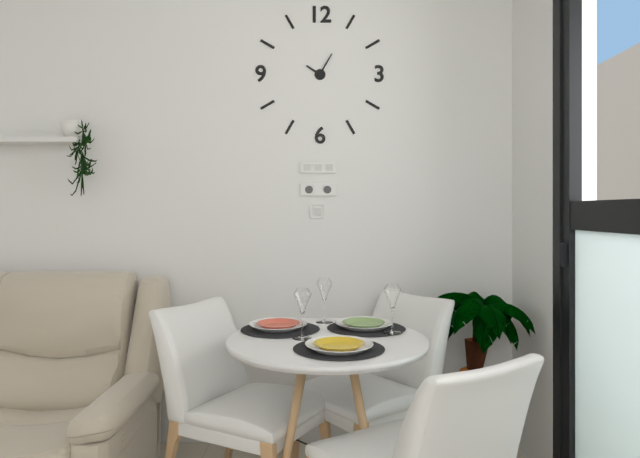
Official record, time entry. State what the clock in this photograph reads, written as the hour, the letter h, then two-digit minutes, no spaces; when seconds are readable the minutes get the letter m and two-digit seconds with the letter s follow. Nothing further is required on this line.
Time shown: 10h05
